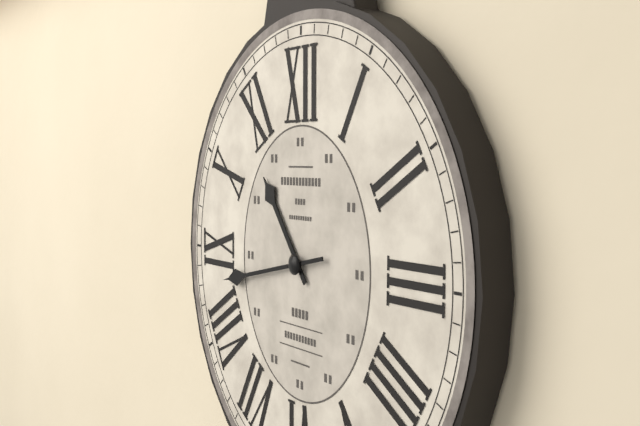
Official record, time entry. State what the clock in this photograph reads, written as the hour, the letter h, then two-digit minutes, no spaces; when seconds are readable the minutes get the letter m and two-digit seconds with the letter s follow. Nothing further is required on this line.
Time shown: 10h43
